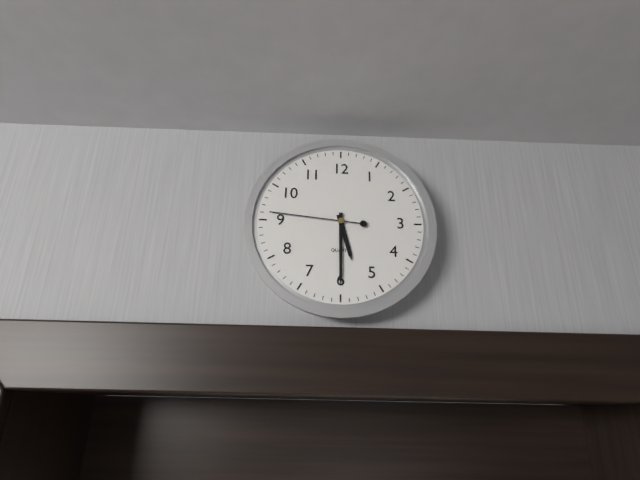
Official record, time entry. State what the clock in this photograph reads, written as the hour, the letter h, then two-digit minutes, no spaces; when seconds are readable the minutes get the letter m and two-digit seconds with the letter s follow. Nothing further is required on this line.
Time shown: 5h30m46s
